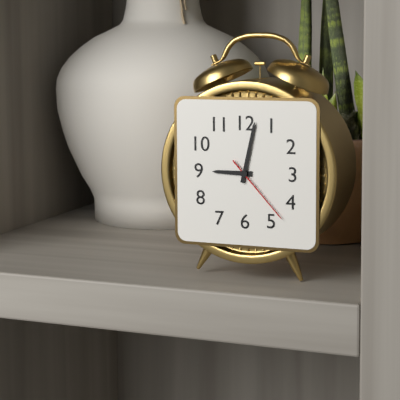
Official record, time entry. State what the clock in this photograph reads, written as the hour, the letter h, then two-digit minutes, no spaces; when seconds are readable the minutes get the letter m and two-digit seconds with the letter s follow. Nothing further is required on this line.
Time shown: 9h02m23s
